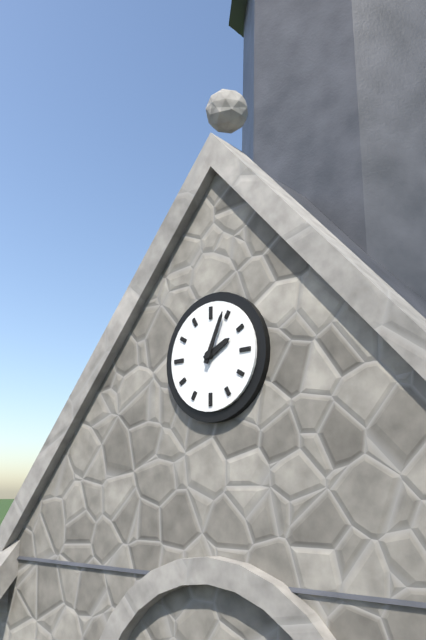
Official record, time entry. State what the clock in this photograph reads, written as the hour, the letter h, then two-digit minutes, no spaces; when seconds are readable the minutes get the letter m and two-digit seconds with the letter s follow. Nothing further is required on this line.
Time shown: 2h04
